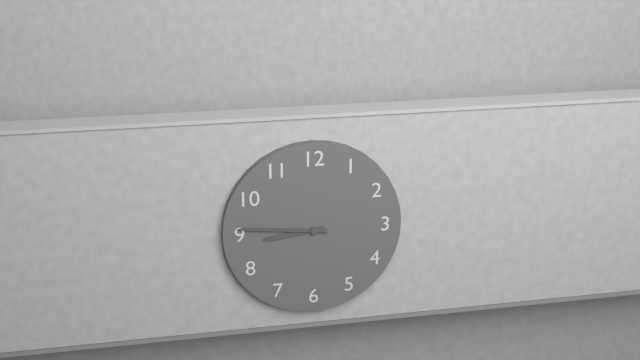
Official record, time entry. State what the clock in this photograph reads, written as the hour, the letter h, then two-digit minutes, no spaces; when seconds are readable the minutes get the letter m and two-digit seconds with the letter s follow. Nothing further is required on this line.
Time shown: 8h46
